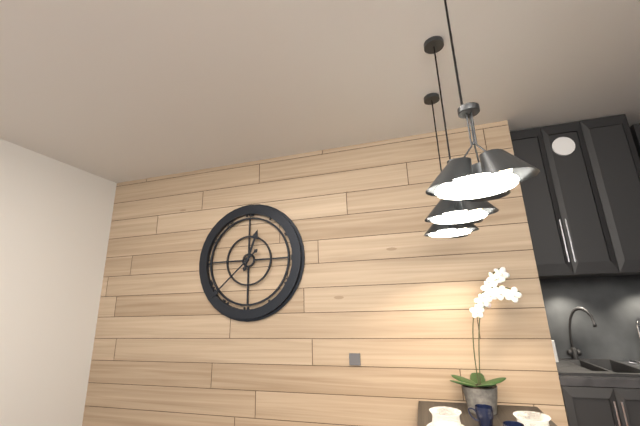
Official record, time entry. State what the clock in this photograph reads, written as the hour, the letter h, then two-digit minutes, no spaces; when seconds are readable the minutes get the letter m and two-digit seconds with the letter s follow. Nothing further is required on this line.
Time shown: 12h38
